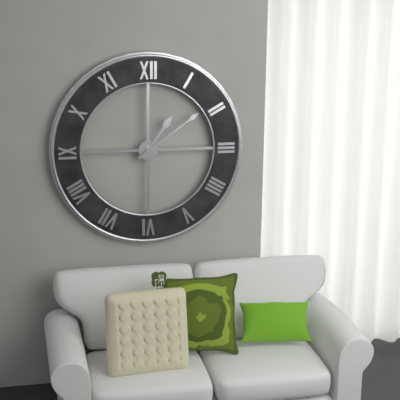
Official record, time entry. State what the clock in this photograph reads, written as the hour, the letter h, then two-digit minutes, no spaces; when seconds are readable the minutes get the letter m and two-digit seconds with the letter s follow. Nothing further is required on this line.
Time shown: 1h09
